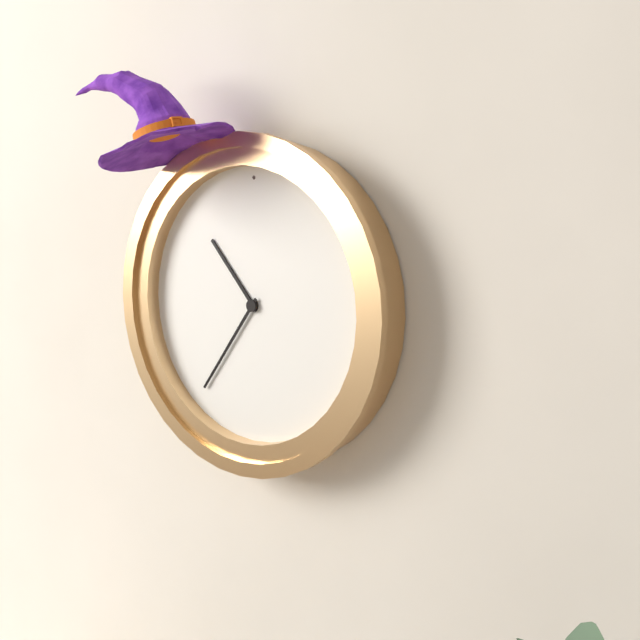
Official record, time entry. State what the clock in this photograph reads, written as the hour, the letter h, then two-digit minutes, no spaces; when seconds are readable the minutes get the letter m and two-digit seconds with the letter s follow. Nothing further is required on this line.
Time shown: 10h36
